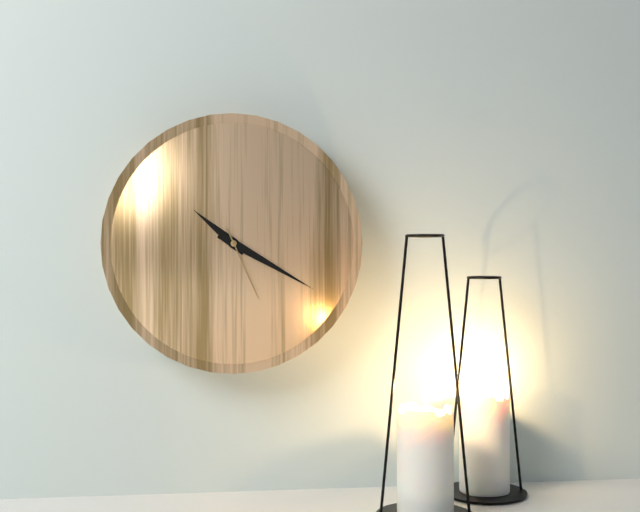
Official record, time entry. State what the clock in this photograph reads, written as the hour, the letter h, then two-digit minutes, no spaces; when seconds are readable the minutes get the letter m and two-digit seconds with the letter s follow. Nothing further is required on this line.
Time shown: 10h20m26s
